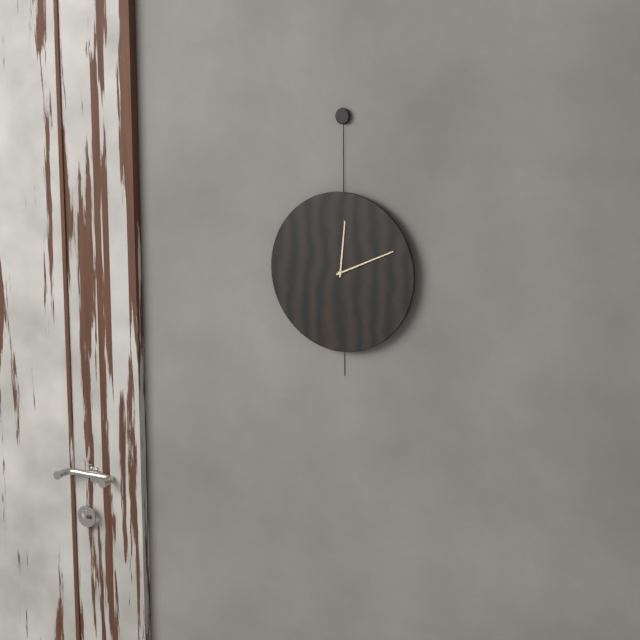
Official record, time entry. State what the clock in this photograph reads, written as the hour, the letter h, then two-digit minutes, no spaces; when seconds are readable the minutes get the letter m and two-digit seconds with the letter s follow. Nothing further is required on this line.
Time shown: 12h11
